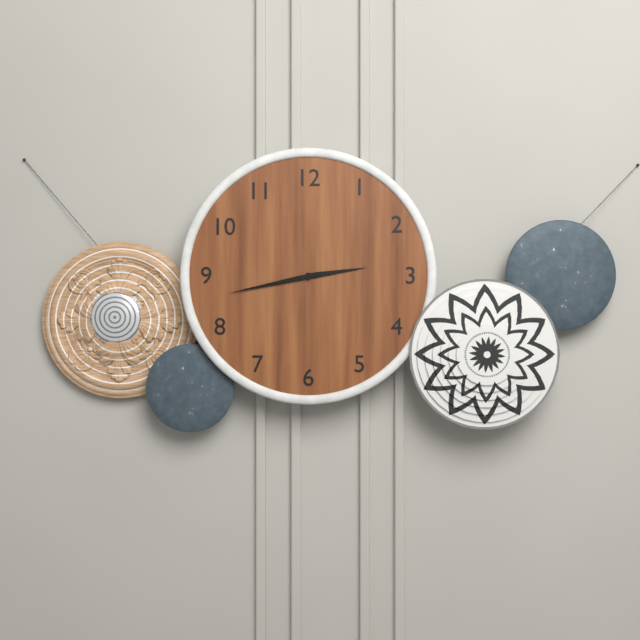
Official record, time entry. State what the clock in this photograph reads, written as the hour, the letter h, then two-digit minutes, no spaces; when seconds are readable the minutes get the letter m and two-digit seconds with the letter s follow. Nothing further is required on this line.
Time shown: 2h43
